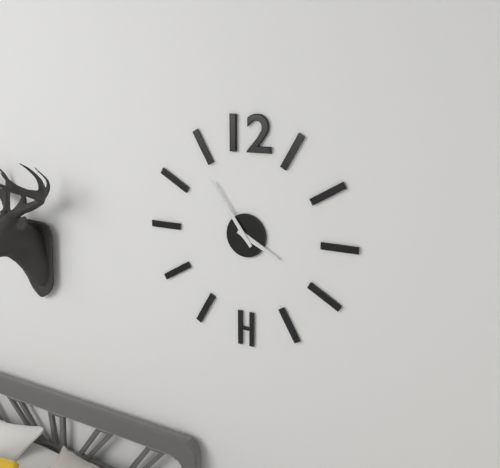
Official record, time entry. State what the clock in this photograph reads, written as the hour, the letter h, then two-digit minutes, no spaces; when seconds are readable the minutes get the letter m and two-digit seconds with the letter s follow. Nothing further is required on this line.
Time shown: 3h54
